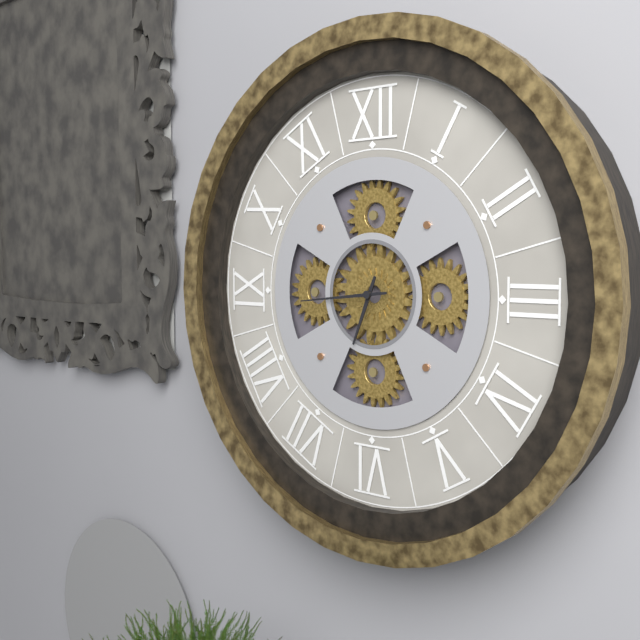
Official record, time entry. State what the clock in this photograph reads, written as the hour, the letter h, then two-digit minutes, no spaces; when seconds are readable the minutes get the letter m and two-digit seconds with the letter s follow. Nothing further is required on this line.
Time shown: 6h44
